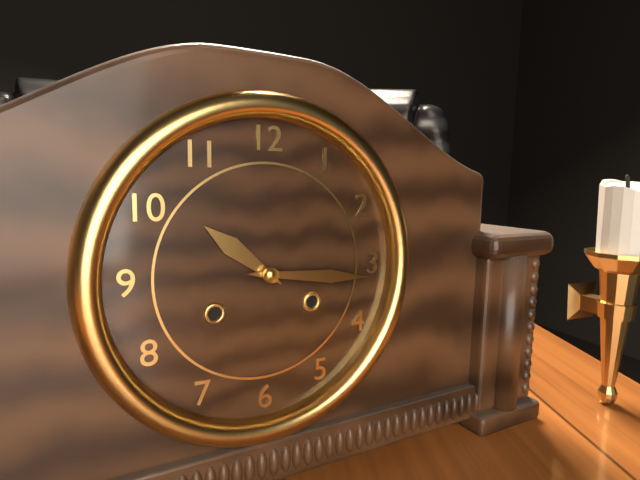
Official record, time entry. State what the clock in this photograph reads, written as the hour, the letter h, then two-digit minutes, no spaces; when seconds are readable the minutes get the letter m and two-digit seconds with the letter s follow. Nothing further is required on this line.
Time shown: 10h16
